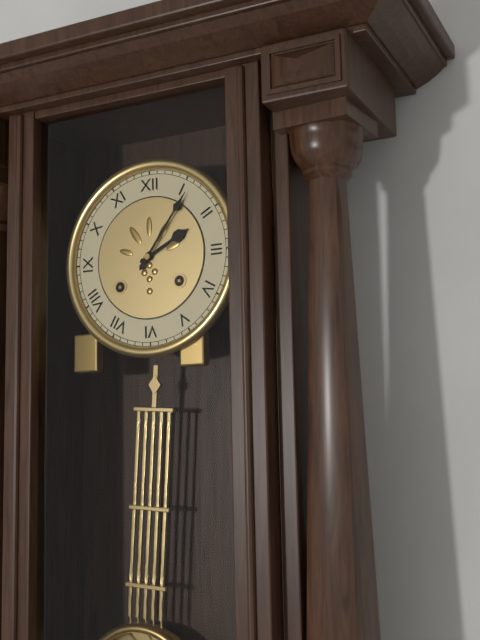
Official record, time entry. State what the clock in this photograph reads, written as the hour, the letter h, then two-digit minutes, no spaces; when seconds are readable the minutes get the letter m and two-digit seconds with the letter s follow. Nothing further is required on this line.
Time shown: 2h06
